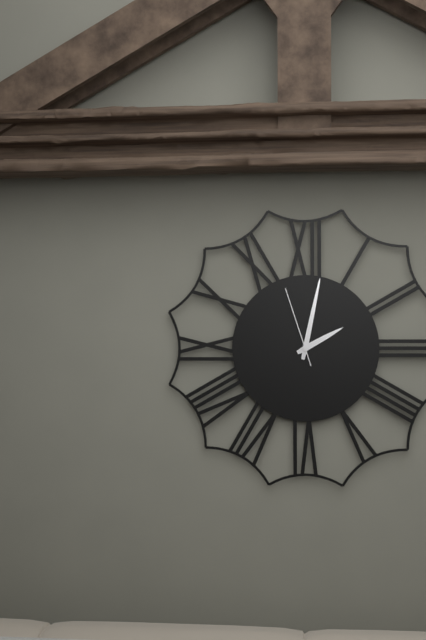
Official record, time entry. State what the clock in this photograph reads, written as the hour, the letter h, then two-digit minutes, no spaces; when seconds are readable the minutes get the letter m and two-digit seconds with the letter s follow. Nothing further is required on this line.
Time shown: 2h02m57s
